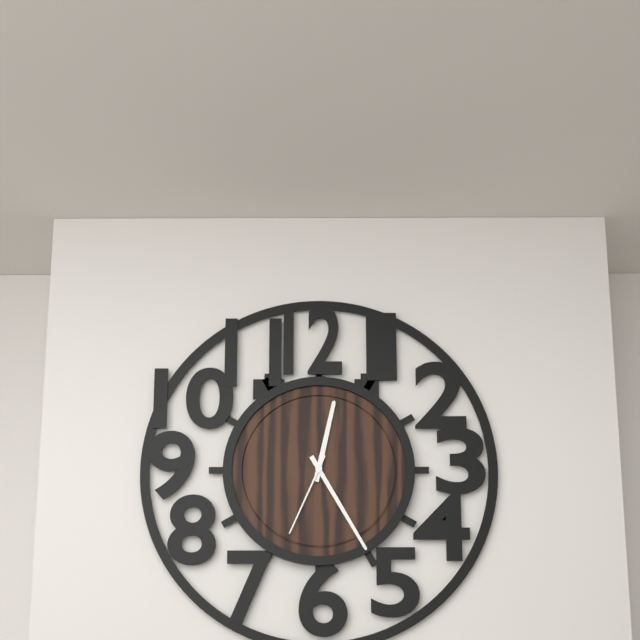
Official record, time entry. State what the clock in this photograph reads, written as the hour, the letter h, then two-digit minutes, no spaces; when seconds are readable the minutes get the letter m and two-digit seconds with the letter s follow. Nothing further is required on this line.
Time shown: 12h25m34s
